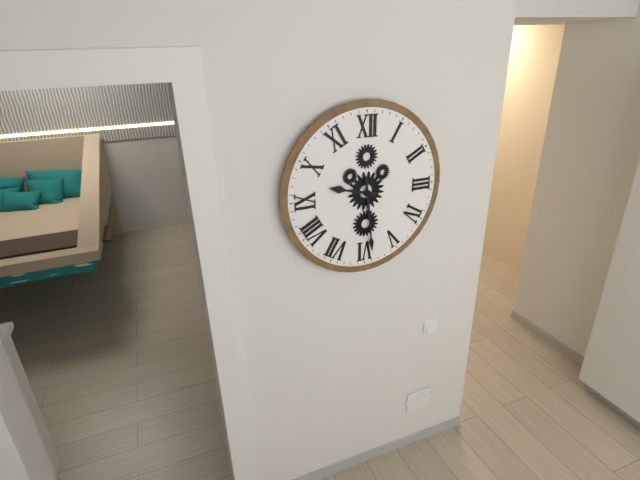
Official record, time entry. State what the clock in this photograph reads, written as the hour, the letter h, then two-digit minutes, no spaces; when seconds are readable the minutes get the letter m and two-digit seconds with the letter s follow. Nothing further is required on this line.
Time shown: 9h29
